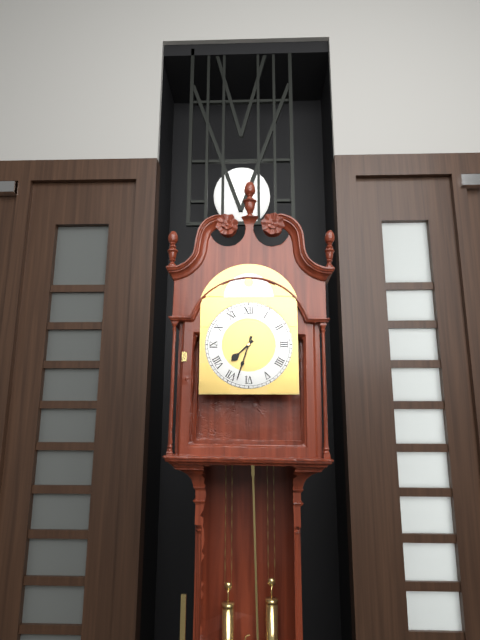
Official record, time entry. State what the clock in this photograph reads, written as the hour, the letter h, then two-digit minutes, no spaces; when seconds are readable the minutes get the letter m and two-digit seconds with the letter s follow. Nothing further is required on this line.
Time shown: 7h33
